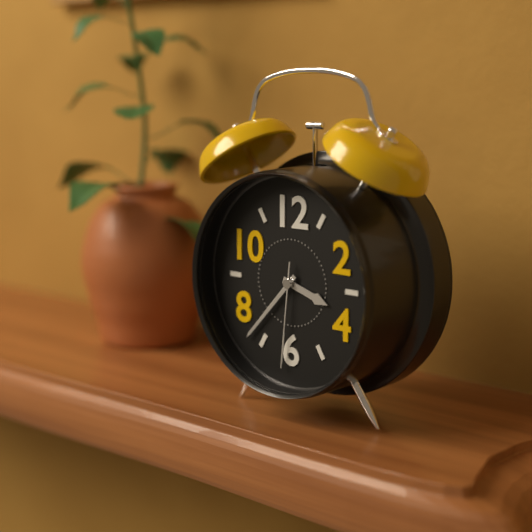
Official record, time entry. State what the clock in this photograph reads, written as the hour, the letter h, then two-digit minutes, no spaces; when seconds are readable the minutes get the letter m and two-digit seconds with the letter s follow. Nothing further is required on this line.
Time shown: 3h37m31s
